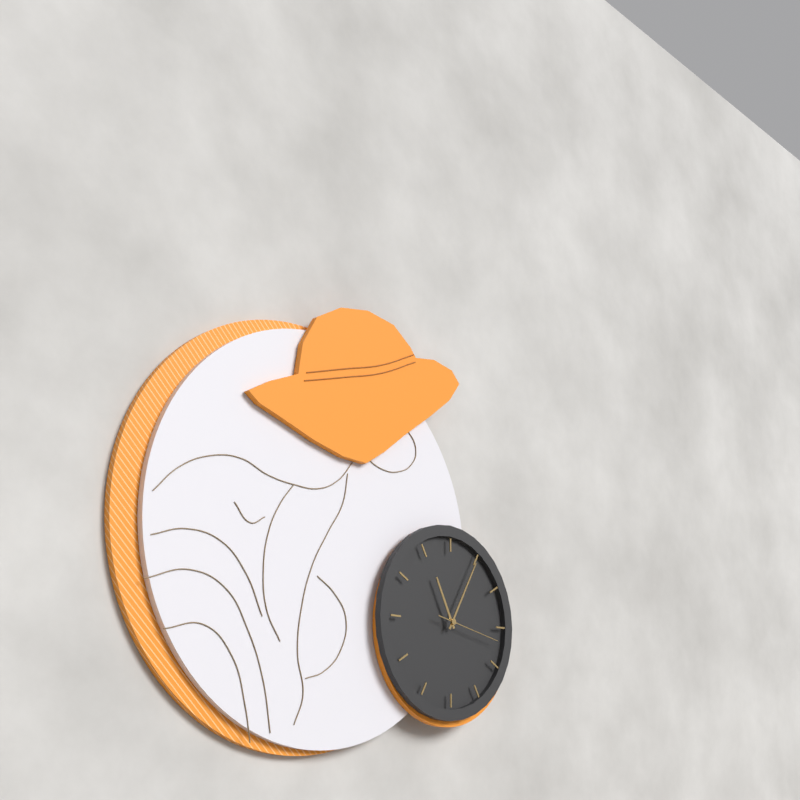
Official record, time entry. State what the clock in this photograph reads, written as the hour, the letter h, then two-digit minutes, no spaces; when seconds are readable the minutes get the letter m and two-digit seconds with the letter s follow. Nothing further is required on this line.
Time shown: 11h05m17s
